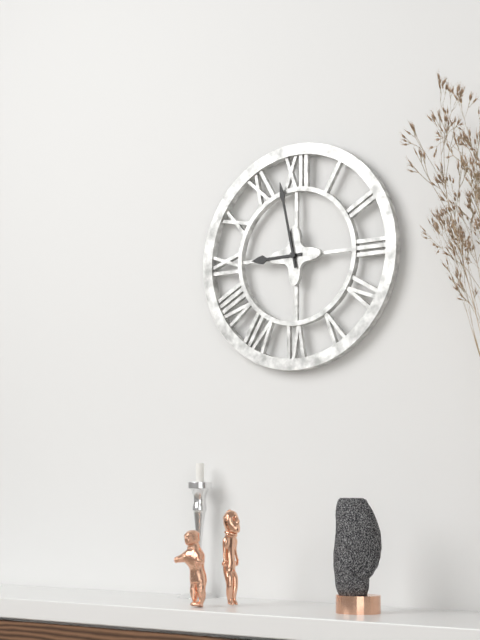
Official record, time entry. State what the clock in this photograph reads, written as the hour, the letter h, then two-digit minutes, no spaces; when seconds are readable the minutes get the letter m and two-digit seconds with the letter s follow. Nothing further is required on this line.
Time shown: 8h58
